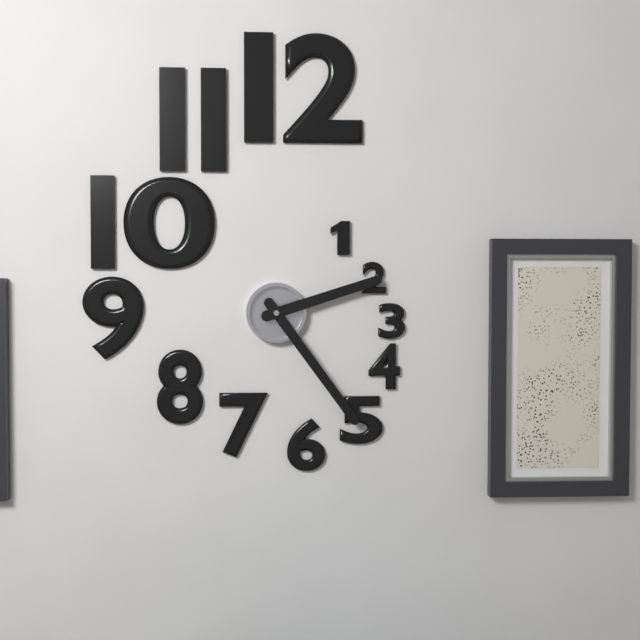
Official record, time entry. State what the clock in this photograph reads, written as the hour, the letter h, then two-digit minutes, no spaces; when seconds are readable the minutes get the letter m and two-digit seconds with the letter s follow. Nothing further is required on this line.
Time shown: 2h24
